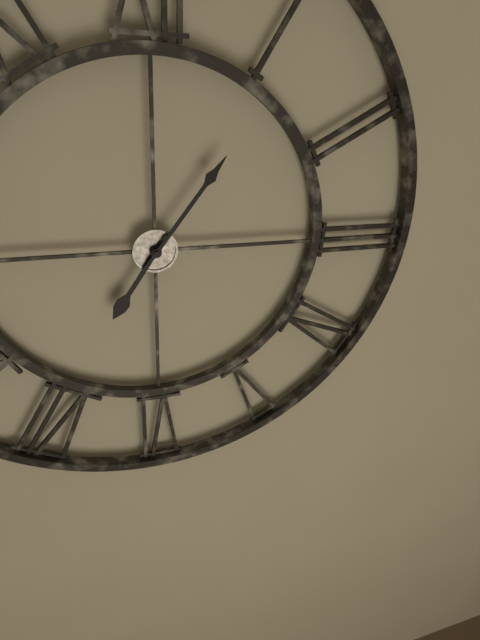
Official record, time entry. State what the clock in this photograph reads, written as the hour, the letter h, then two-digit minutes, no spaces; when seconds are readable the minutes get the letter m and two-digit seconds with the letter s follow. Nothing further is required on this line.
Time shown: 7h06
